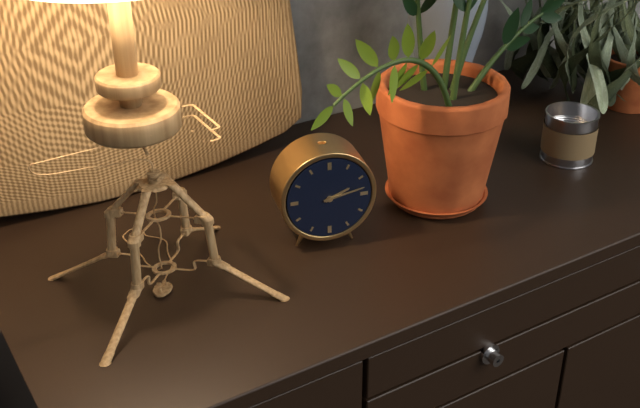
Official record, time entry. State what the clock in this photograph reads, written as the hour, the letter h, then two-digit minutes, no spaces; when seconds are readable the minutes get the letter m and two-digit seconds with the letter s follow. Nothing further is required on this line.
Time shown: 2h13
